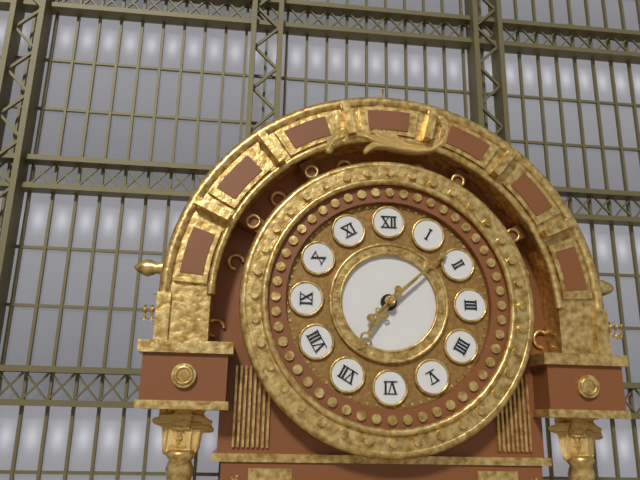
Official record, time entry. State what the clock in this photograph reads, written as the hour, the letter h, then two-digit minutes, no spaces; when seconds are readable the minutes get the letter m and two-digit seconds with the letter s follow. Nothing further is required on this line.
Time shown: 7h08
